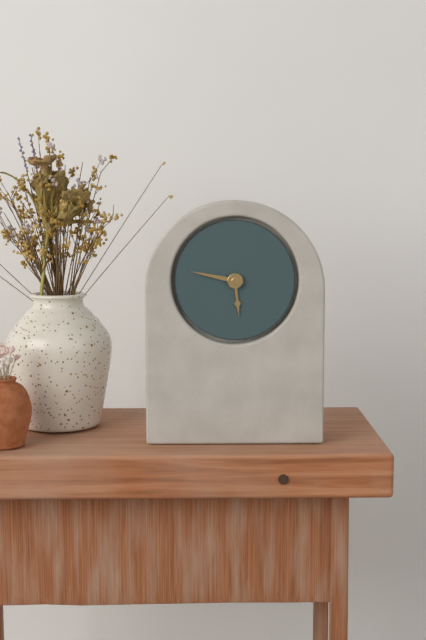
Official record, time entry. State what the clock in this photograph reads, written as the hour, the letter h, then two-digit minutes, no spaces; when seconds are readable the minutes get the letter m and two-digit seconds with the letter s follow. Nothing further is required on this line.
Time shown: 5h47
